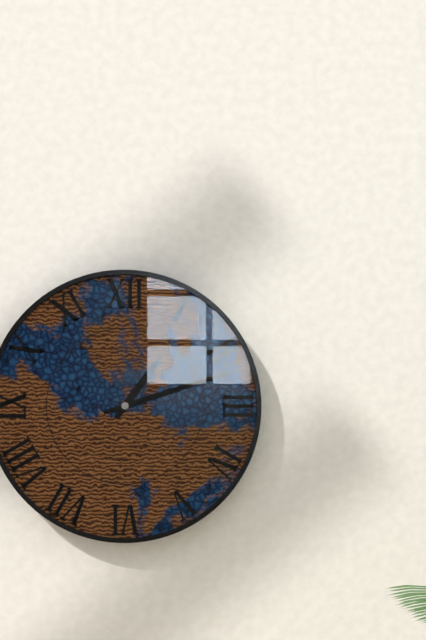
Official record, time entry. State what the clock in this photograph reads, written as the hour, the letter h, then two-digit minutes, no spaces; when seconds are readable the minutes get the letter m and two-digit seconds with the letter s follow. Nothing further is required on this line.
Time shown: 1h12
